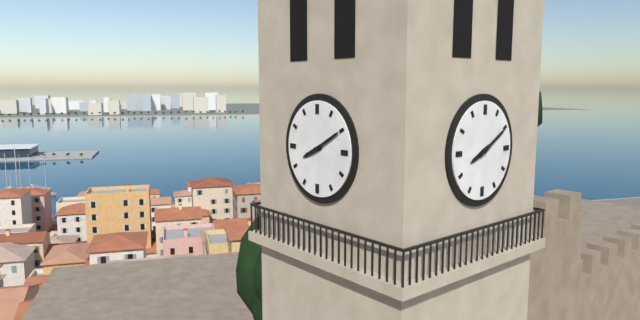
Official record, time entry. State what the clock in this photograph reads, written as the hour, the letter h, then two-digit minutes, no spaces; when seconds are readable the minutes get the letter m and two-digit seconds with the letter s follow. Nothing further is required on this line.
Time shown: 8h10
